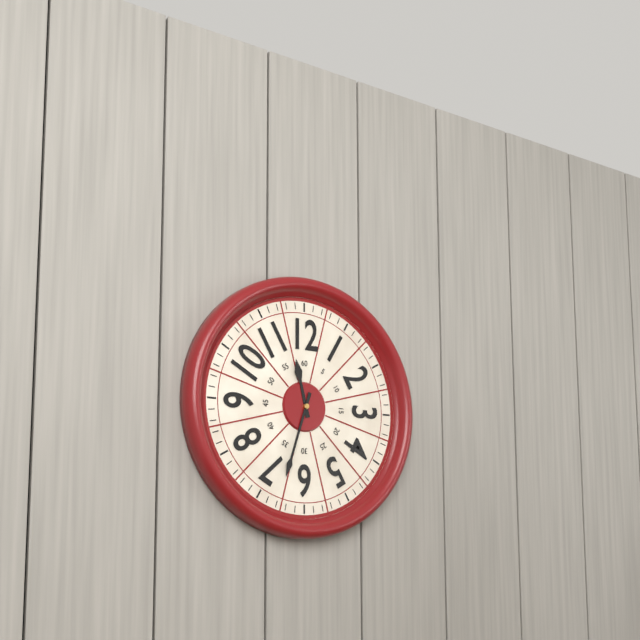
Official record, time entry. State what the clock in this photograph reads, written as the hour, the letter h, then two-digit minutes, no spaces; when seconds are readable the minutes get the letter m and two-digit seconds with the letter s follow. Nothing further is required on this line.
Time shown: 11h33
